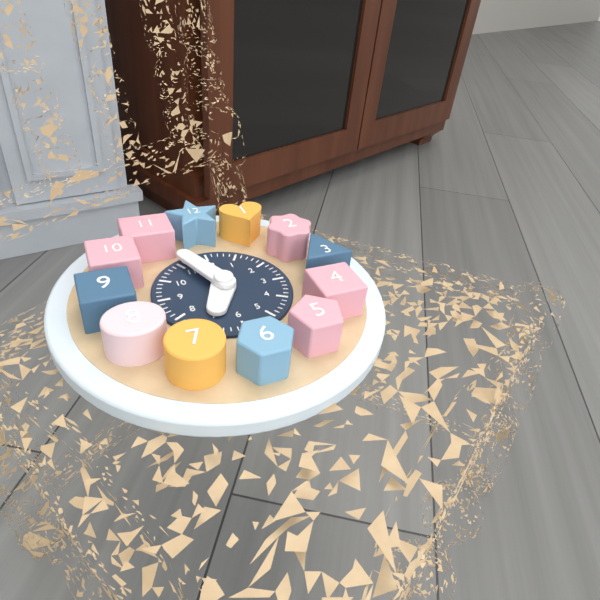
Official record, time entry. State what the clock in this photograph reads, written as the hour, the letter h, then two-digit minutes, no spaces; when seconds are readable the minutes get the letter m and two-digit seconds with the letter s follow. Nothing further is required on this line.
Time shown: 6h56
